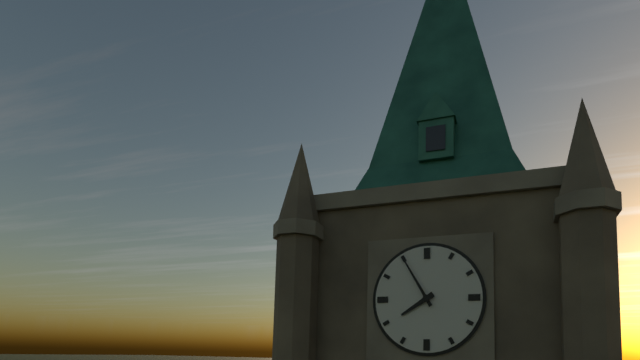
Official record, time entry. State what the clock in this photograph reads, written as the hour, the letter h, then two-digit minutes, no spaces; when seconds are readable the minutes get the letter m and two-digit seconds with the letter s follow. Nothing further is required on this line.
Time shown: 7h55
